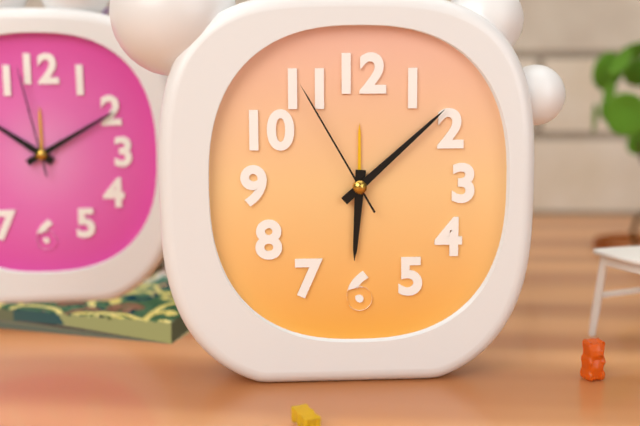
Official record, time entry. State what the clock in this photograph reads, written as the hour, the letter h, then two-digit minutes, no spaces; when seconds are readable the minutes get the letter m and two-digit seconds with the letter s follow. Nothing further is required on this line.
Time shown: 6h08m55s
